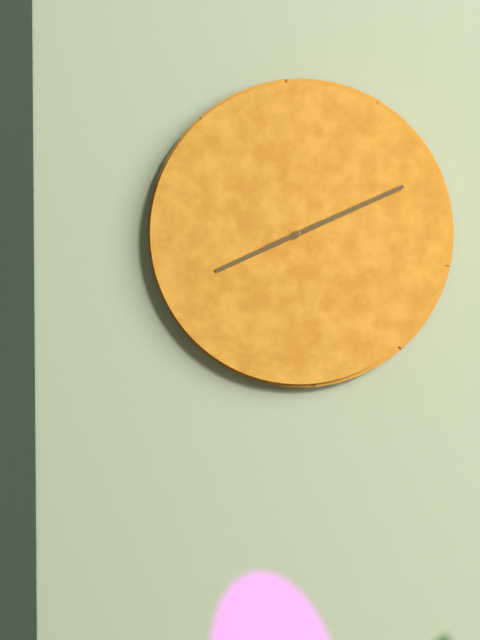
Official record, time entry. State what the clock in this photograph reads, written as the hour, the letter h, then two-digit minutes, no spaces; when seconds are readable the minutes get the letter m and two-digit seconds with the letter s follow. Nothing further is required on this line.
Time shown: 8h11
